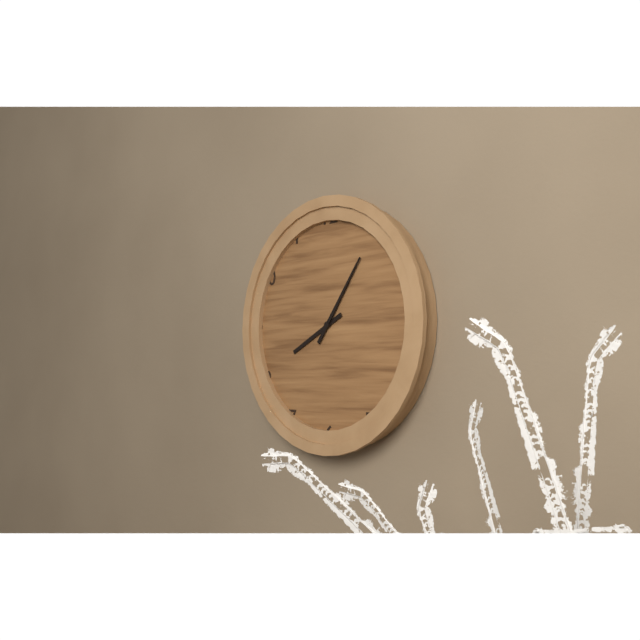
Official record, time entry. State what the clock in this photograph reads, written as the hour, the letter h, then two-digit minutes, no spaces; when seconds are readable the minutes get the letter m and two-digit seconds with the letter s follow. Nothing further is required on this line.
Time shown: 8h06
